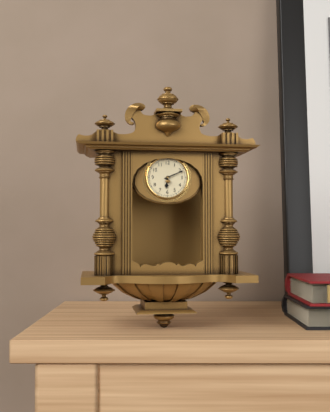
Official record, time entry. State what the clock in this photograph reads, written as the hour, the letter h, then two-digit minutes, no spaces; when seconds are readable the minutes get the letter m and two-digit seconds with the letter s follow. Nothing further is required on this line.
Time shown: 6h11
